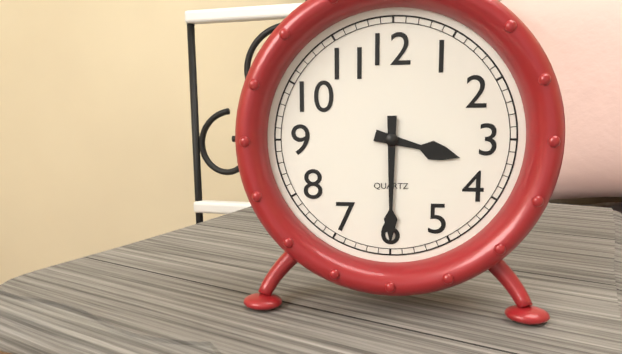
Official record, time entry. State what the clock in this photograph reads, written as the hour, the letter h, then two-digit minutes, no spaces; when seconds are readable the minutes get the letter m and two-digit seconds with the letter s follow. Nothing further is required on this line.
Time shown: 3h30
